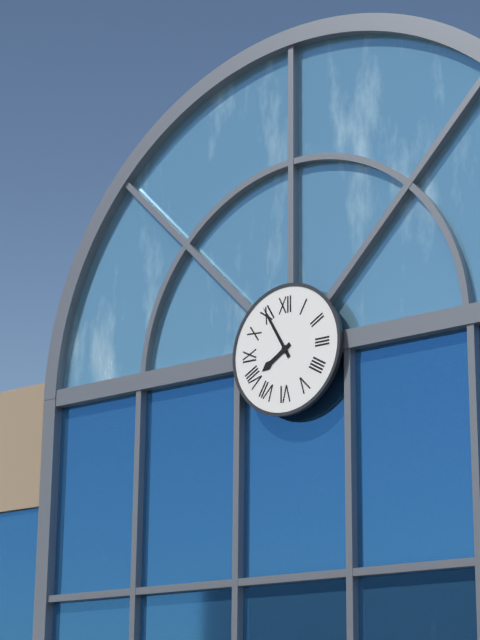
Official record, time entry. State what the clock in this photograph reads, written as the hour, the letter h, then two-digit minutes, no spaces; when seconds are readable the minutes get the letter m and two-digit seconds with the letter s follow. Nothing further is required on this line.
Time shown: 7h55
